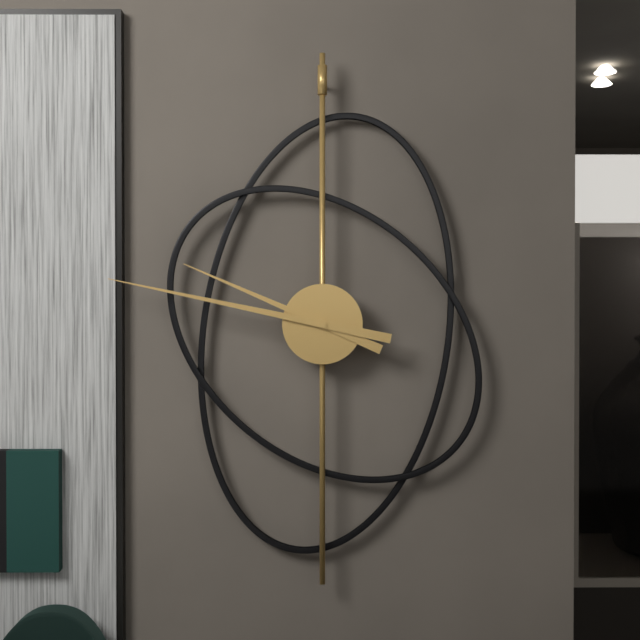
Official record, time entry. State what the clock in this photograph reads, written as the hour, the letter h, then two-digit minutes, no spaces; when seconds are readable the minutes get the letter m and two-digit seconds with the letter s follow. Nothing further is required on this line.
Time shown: 9h47
